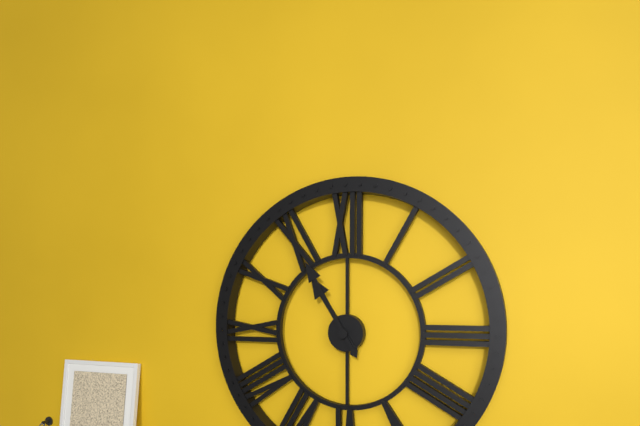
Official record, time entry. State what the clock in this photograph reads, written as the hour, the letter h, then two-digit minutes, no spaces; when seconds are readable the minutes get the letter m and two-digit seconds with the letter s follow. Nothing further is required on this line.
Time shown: 10h55
